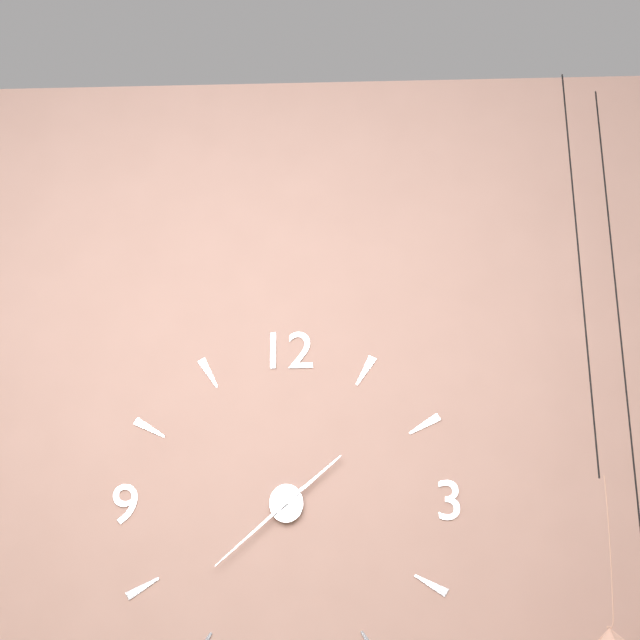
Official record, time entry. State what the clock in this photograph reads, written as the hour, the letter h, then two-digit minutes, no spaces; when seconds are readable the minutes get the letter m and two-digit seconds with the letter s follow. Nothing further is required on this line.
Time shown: 1h38
